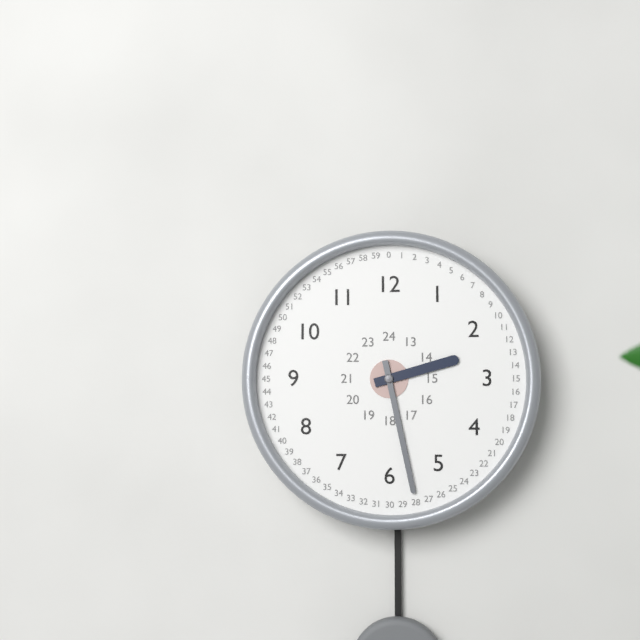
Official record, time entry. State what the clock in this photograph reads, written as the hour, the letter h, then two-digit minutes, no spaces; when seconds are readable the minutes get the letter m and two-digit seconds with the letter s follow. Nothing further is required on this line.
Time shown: 2h28
